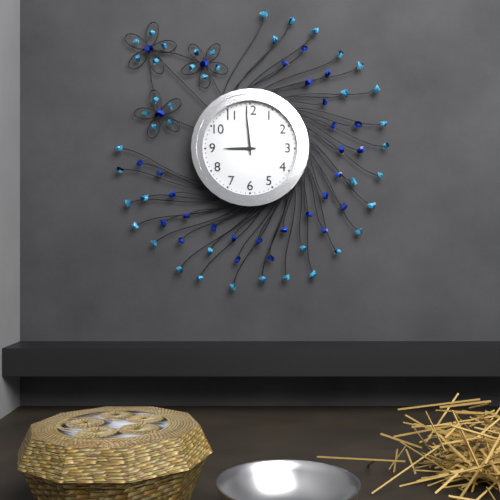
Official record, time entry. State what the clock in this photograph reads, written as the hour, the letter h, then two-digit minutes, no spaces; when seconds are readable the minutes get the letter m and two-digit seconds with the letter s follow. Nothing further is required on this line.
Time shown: 8h59
